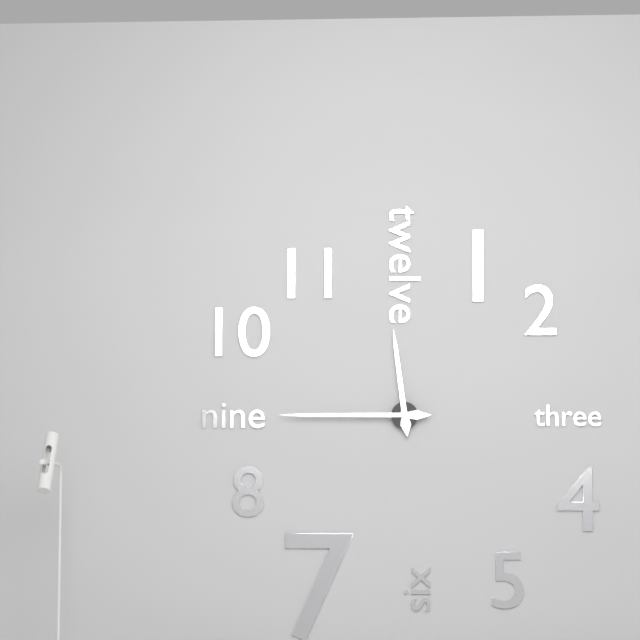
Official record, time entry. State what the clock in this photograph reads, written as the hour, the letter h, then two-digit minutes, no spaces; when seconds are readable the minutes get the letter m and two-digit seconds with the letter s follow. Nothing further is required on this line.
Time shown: 11h45
